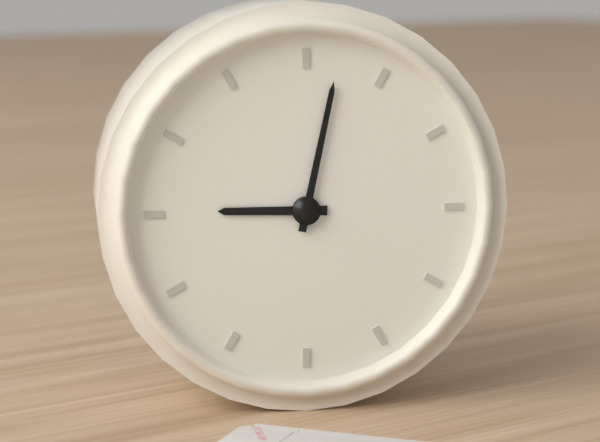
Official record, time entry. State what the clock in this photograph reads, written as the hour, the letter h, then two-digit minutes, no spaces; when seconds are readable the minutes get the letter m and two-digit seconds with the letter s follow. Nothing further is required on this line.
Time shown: 9h02
